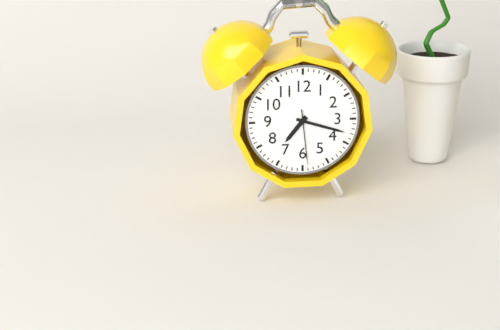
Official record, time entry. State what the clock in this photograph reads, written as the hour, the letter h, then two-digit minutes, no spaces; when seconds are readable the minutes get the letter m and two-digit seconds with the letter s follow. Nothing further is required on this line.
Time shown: 7h18m29s
